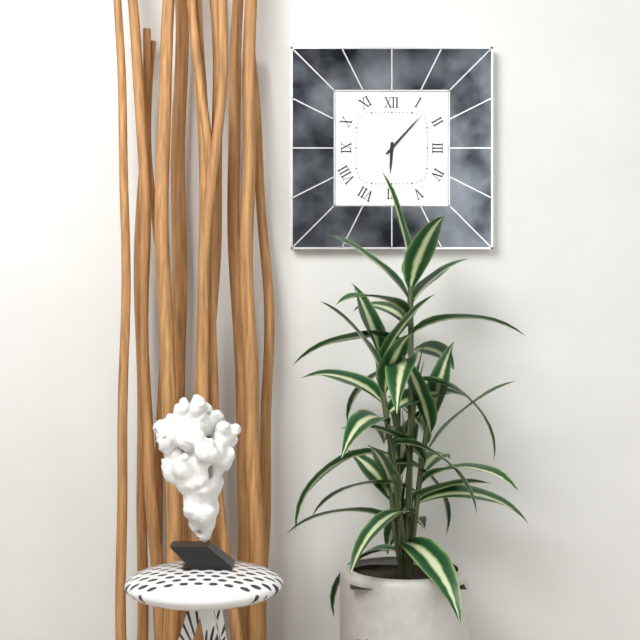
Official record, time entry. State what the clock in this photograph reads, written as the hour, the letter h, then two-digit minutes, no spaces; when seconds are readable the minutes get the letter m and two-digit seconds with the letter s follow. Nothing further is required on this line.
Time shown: 6h07
